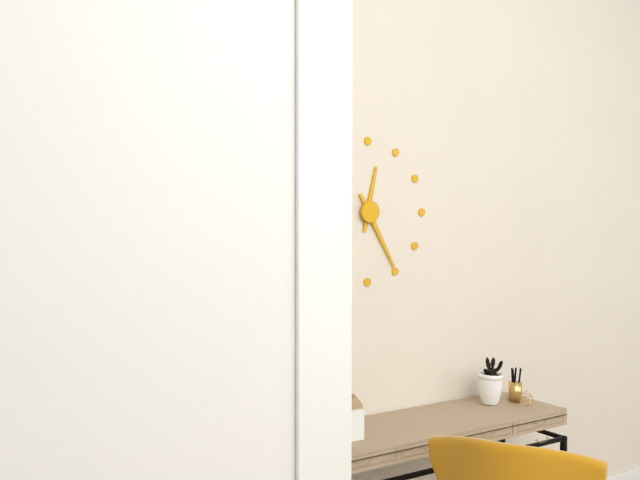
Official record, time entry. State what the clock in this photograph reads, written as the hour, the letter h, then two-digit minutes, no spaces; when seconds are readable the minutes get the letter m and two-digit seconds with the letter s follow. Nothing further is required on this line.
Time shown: 12h25
